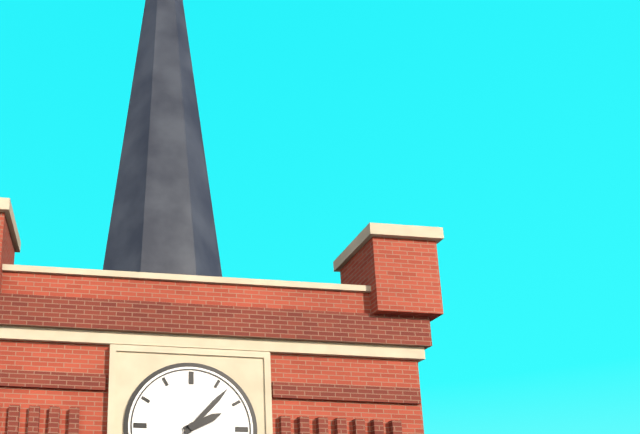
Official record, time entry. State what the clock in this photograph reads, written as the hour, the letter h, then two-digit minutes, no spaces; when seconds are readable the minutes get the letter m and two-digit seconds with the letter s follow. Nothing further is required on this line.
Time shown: 2h07
